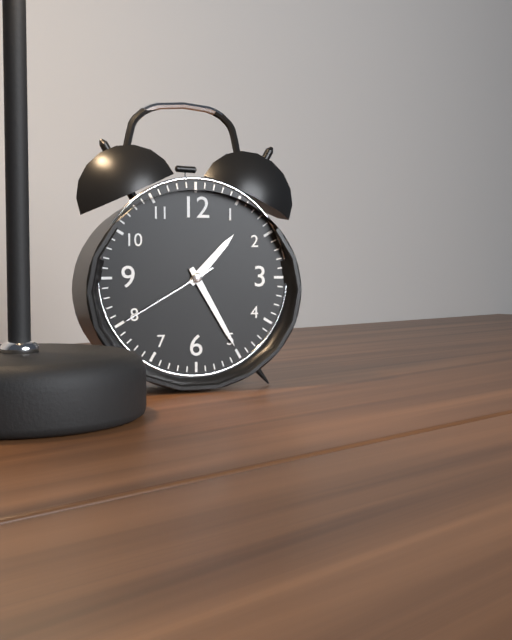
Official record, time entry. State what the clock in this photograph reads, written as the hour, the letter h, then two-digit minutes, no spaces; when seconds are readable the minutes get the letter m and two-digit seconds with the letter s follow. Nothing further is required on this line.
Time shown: 1h25m40s
